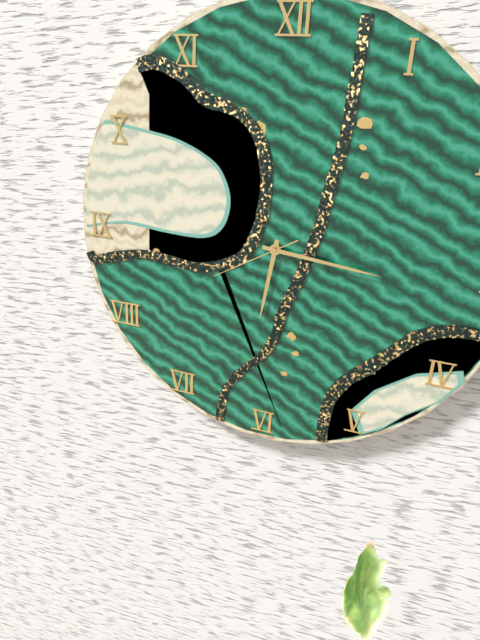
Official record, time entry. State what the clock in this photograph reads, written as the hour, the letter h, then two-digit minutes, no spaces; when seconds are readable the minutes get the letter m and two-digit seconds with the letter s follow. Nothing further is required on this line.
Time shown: 6h16m40s
